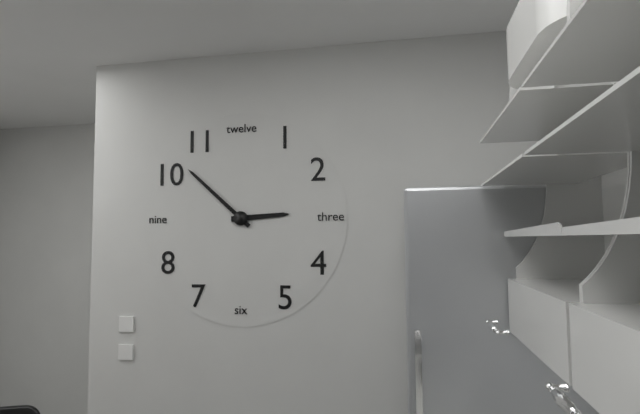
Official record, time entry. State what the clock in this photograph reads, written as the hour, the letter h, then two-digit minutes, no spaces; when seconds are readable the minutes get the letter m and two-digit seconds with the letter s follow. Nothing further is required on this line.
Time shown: 2h52
